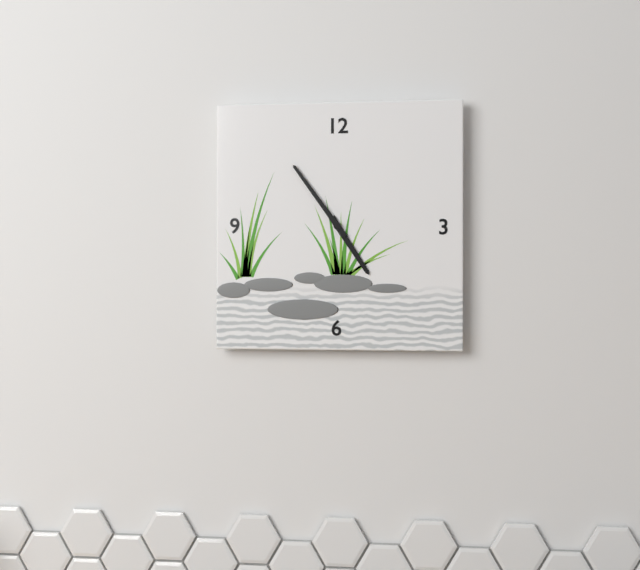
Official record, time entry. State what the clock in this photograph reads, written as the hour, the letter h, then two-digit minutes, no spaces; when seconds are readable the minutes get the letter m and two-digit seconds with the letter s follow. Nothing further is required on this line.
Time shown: 4h54
